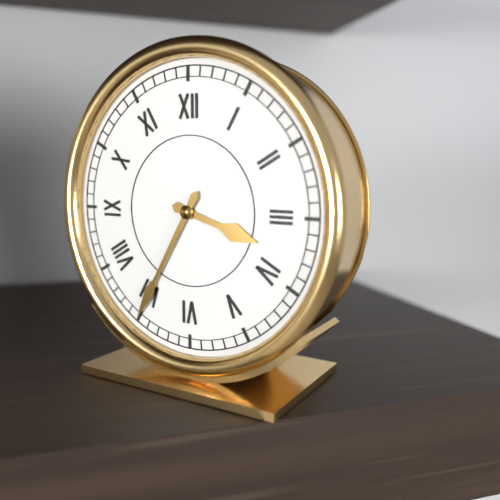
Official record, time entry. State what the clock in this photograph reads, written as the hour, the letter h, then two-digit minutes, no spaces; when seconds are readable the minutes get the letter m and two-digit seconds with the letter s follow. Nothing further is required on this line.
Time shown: 3h35
